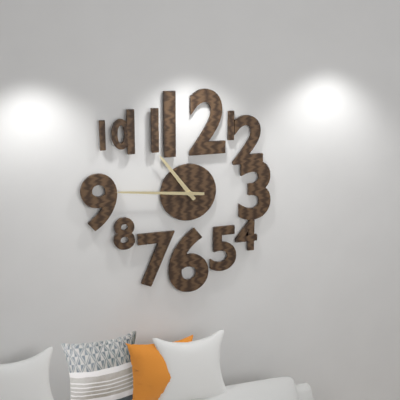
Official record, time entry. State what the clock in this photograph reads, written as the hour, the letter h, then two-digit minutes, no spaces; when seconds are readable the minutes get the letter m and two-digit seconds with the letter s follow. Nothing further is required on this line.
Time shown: 10h46
